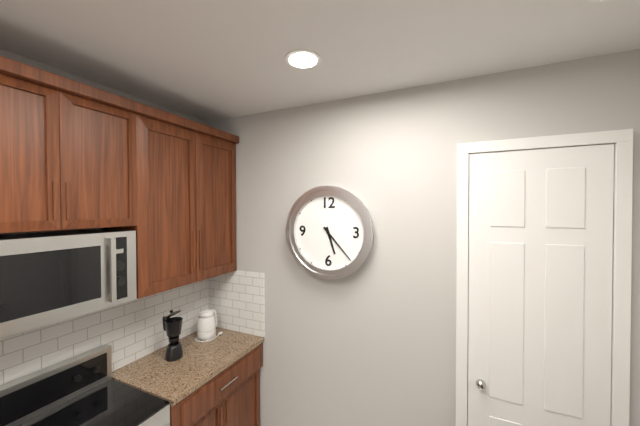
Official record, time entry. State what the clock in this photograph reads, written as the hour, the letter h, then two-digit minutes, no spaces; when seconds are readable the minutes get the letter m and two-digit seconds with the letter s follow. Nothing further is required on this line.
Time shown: 5h23
